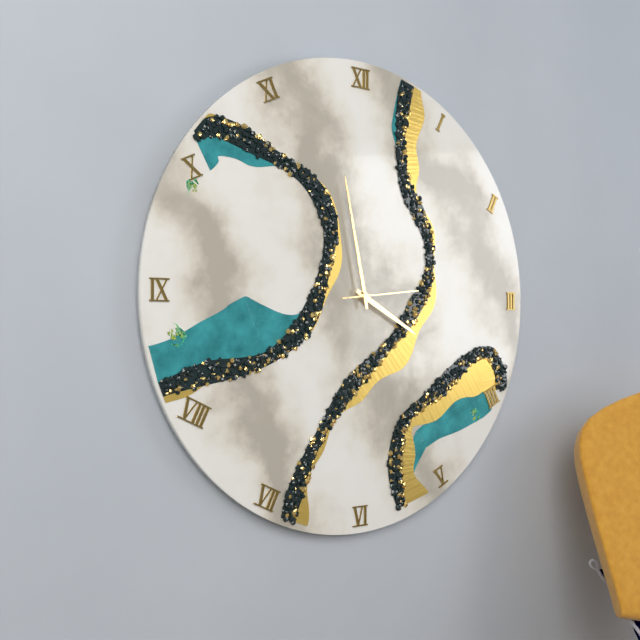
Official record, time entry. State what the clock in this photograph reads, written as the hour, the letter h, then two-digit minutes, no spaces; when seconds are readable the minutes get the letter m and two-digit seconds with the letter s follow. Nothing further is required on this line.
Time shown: 3h58m14s
